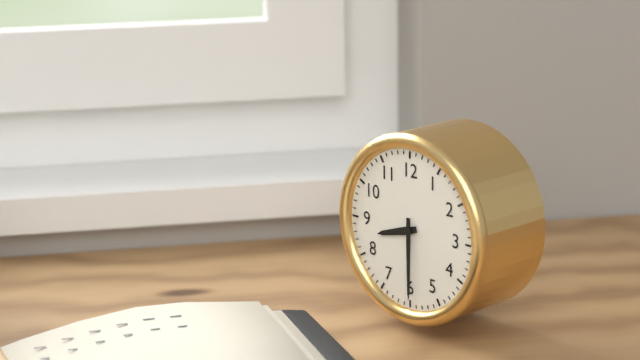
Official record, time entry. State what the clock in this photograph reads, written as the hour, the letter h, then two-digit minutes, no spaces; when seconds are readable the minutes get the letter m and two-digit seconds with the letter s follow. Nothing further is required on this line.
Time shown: 8h30
